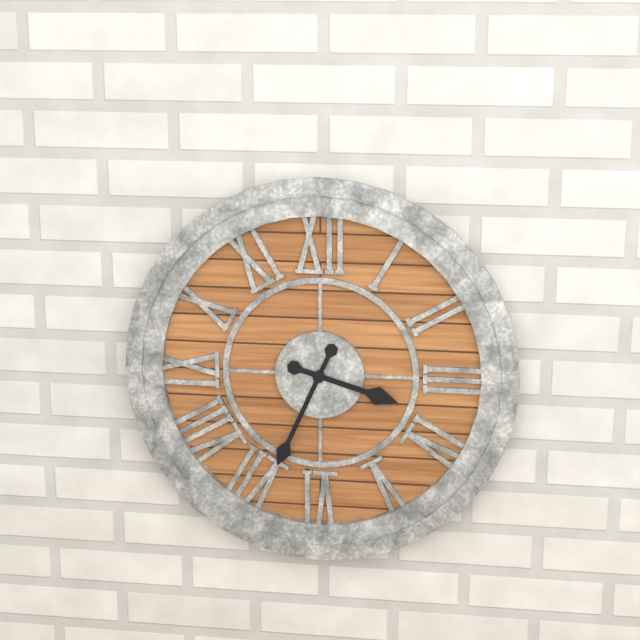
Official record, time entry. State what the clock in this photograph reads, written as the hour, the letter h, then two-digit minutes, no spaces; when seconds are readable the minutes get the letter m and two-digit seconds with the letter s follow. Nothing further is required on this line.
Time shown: 3h34
